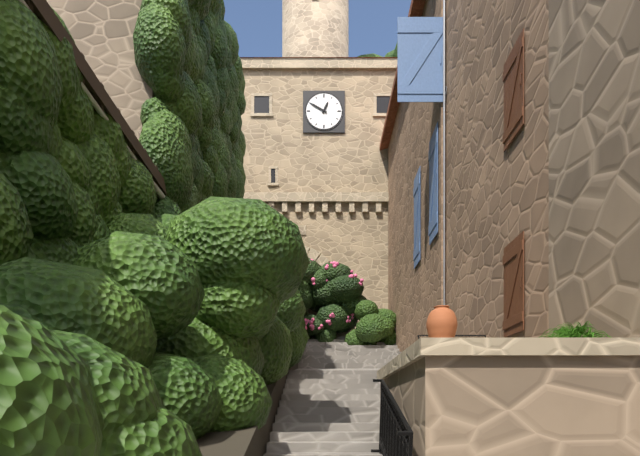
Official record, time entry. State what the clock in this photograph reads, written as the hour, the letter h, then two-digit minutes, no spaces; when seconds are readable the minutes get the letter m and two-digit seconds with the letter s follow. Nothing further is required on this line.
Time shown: 12h50
